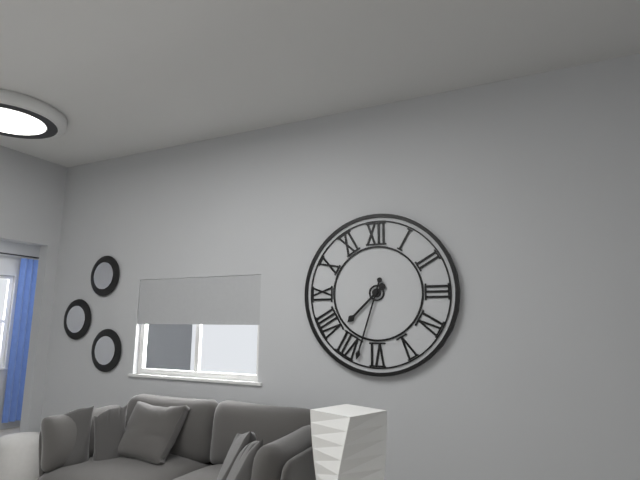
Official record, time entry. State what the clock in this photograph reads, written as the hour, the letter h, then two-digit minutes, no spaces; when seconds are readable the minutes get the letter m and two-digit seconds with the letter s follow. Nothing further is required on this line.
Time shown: 7h33
